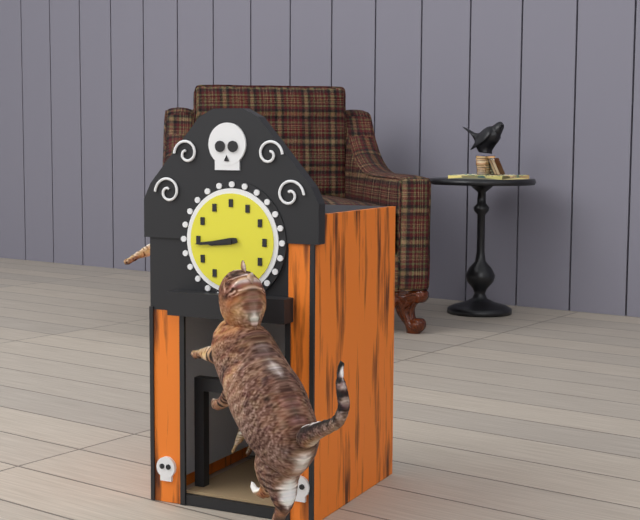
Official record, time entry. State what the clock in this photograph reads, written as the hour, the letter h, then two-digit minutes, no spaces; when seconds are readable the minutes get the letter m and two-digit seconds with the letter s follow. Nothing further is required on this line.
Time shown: 8h44
